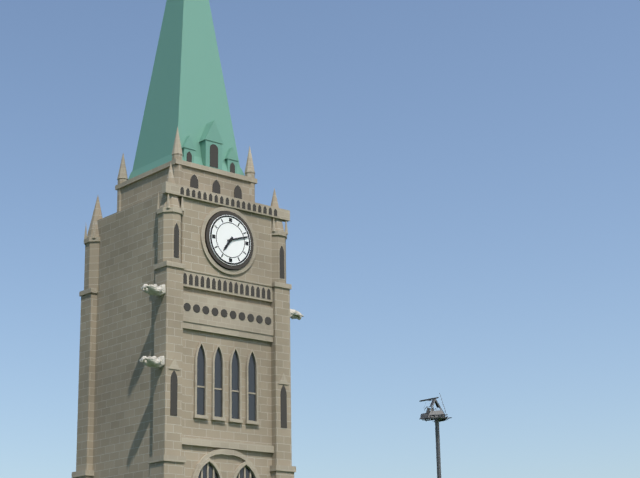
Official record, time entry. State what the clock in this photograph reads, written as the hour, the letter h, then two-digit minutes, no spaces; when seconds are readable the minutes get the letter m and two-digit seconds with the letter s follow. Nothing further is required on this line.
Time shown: 7h12
